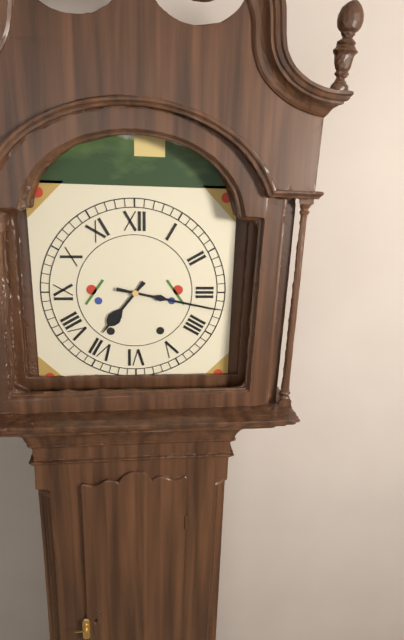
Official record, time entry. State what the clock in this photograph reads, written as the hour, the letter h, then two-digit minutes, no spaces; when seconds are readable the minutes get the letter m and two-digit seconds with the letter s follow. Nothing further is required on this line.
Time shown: 7h17
